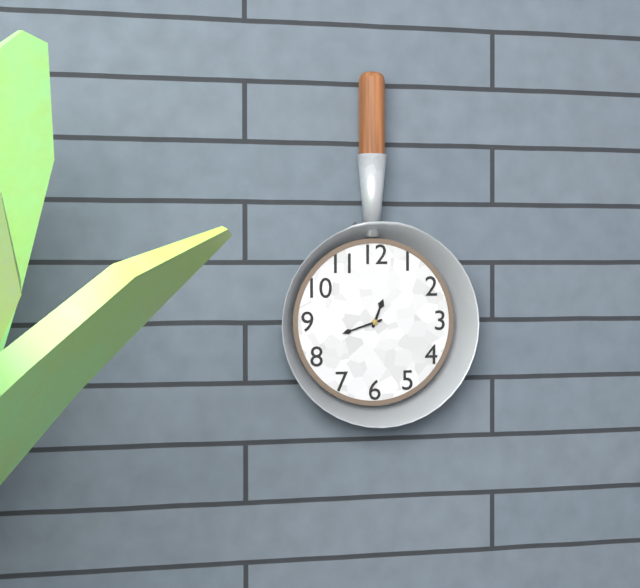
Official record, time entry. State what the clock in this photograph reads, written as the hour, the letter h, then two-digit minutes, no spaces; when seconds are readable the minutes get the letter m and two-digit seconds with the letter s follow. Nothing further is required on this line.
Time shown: 12h42
